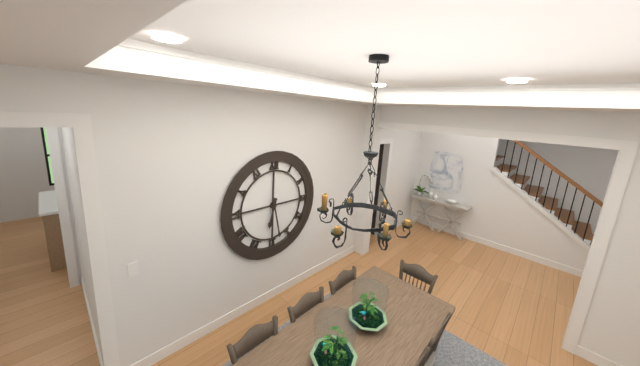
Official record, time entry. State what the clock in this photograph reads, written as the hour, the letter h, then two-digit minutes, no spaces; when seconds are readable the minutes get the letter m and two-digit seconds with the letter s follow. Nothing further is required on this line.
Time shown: 6h28
